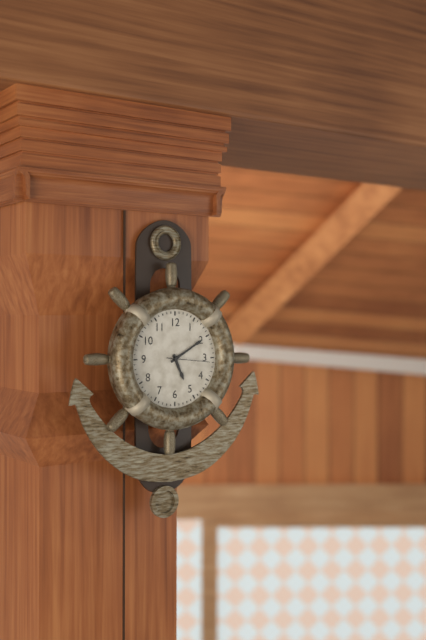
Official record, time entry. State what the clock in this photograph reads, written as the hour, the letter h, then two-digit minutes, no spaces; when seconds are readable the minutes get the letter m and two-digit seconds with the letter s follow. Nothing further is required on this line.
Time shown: 5h10
